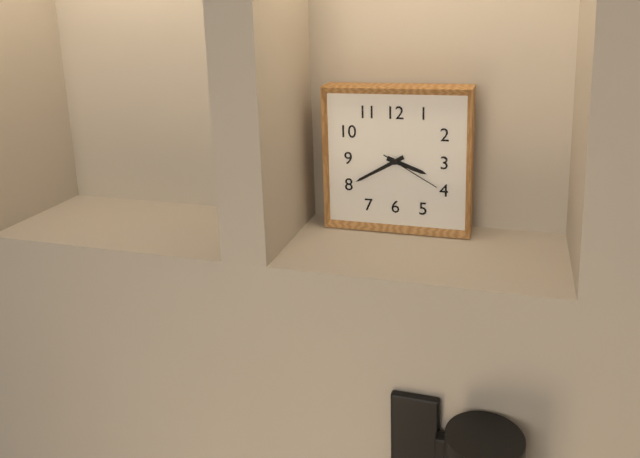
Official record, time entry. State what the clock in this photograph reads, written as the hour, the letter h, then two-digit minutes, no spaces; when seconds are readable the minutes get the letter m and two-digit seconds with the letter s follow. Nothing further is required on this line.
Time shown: 3h40m20s
